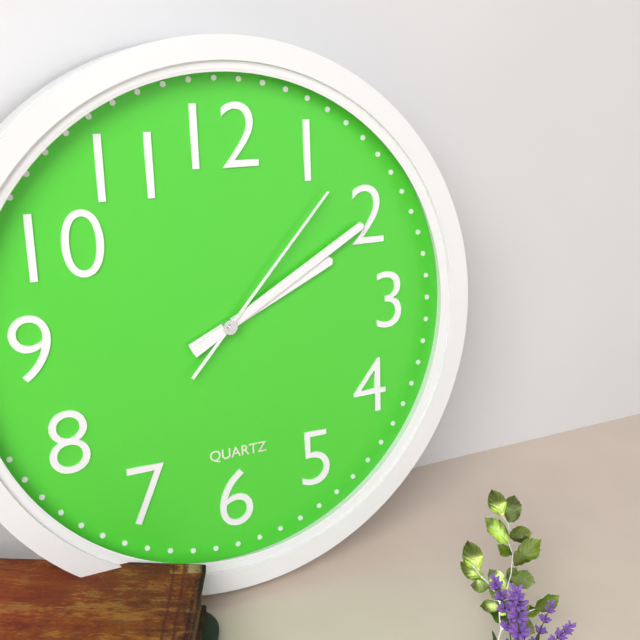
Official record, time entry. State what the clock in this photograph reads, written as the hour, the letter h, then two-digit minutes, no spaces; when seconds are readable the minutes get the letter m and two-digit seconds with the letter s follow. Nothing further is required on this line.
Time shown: 2h10m07s
